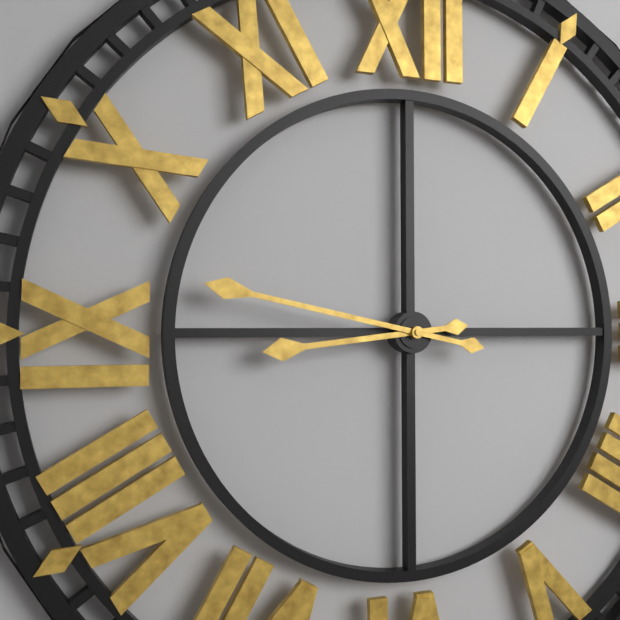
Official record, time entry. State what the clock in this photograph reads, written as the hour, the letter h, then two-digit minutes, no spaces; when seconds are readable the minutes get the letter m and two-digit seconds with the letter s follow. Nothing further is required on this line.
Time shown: 8h47
